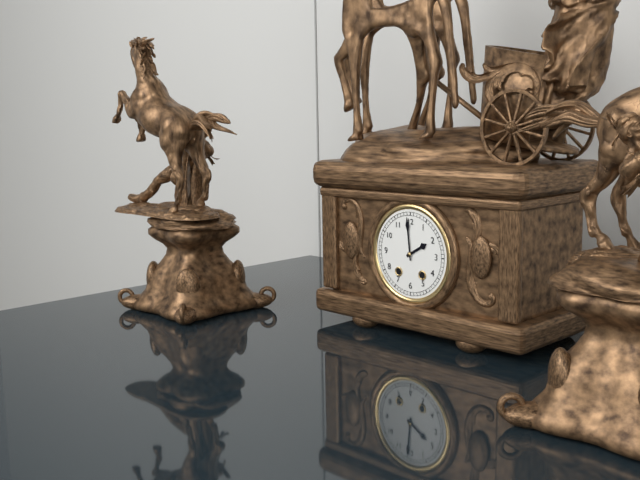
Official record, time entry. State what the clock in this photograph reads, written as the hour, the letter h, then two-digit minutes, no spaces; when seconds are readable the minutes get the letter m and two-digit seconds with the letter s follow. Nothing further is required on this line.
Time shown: 1h59
